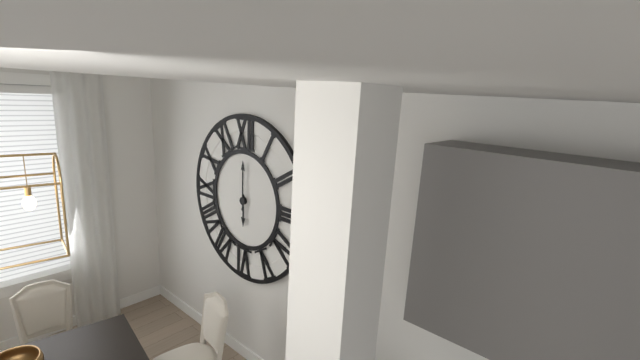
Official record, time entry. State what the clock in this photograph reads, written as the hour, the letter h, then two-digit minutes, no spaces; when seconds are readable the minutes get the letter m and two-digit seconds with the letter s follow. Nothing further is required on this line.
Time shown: 6h00
